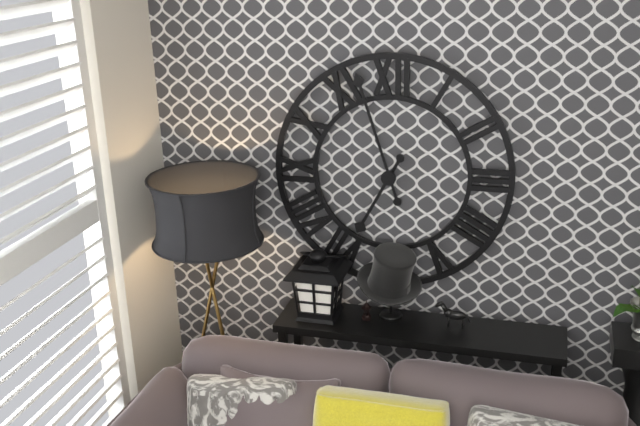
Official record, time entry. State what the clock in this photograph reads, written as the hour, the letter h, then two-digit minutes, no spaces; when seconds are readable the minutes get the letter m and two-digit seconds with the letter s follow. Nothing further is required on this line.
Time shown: 6h57
